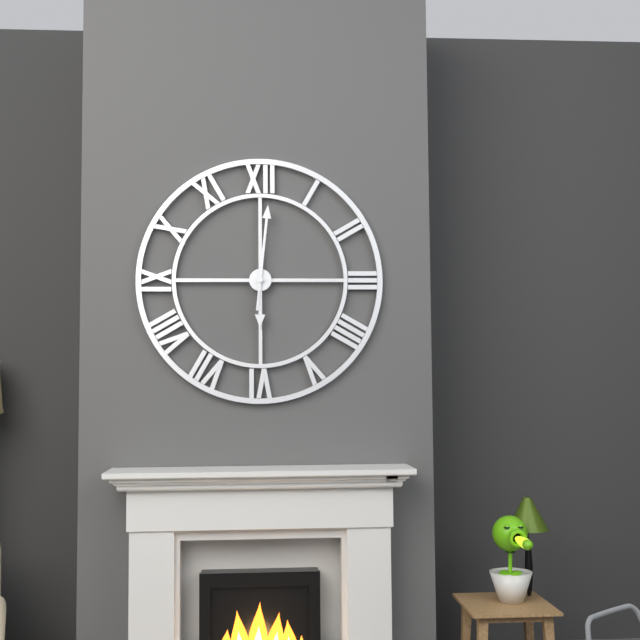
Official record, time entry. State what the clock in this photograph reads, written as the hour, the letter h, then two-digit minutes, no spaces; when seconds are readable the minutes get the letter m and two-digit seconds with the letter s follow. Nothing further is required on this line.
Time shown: 6h01
